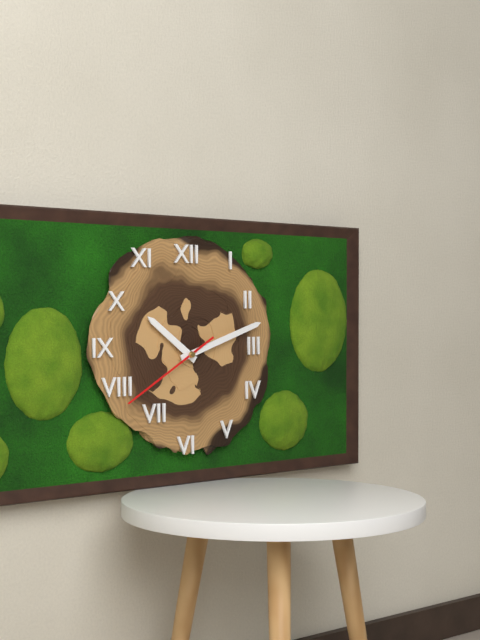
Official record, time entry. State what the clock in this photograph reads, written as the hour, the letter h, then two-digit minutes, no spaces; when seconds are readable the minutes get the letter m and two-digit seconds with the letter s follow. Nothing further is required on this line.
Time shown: 10h12m40s
